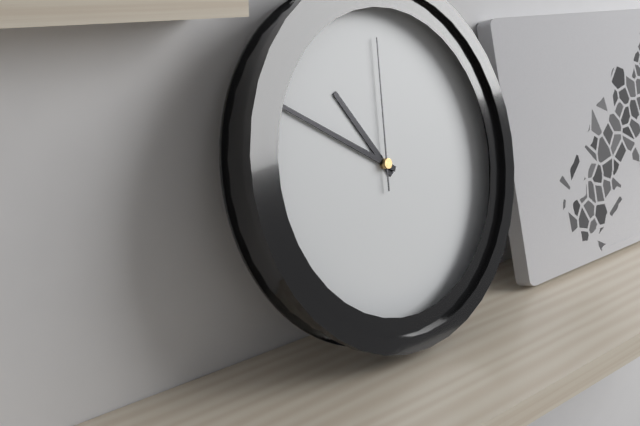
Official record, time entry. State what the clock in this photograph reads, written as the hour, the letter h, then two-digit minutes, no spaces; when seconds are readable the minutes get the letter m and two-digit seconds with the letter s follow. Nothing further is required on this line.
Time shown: 10h50m01s
